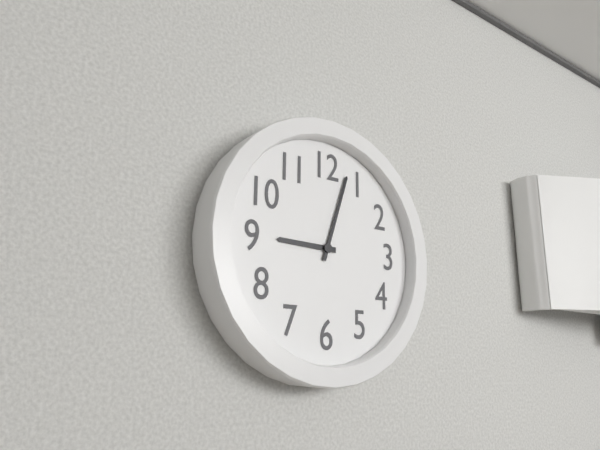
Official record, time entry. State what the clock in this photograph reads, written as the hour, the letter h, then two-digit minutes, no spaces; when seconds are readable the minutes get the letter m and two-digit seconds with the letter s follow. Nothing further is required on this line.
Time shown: 9h03
